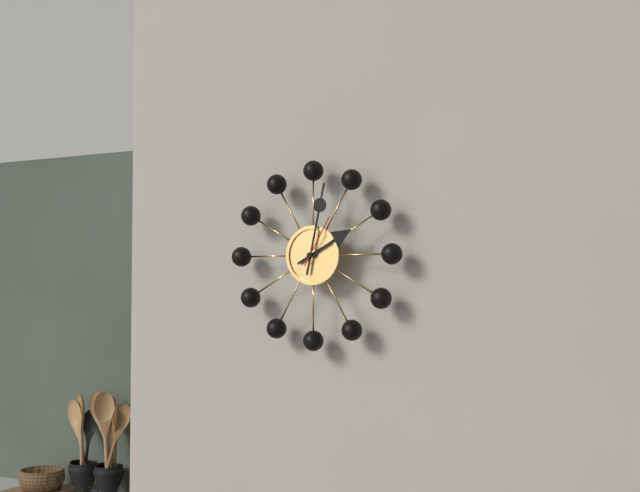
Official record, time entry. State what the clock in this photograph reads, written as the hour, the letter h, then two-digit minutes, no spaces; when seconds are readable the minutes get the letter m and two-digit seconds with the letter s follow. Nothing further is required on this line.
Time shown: 2h02m05s
